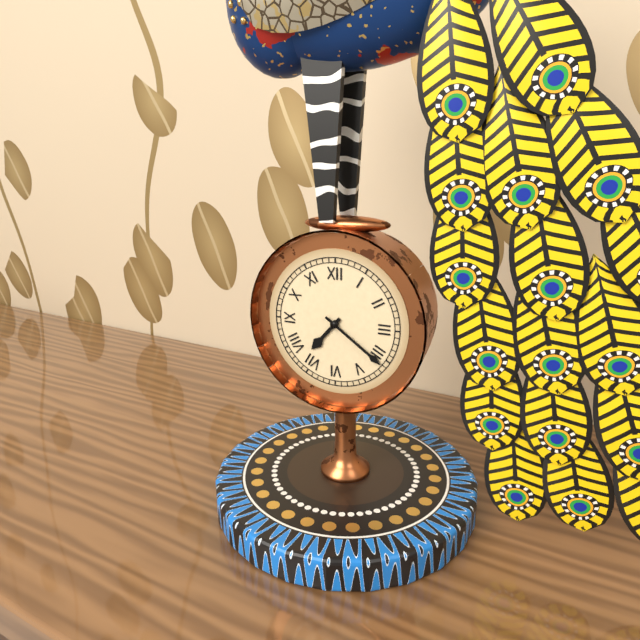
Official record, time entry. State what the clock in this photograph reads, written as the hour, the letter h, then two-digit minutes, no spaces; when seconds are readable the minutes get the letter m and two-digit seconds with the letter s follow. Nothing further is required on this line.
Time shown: 7h21
